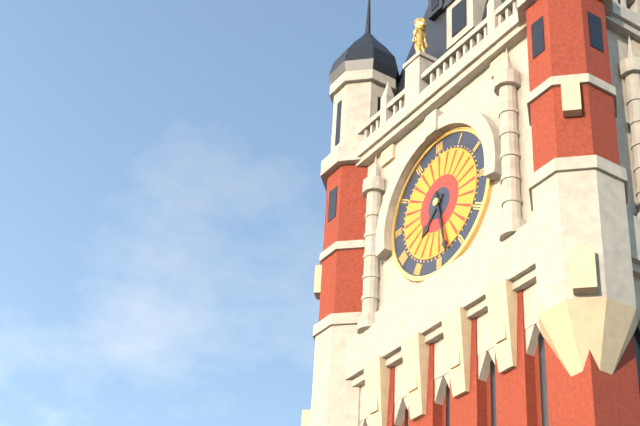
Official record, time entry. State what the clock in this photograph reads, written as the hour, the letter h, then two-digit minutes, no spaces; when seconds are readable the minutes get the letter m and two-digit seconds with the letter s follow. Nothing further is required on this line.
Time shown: 7h28
